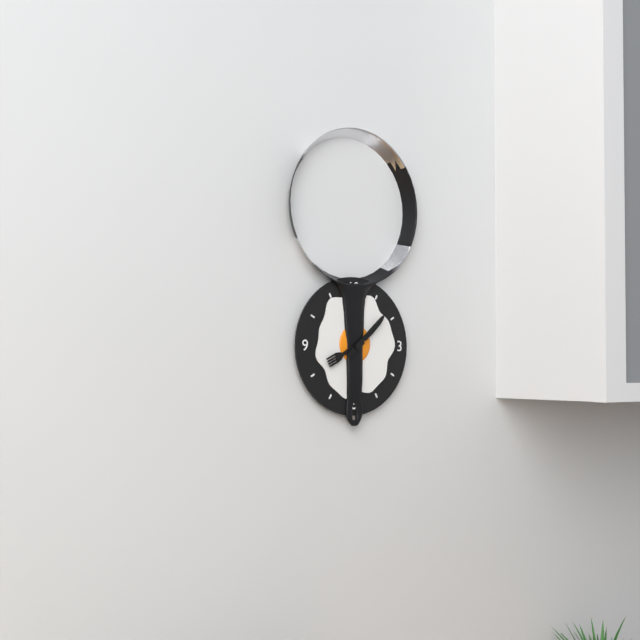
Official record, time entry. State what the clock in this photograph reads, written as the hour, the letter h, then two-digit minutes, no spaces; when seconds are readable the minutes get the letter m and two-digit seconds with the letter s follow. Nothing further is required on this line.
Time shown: 8h08
